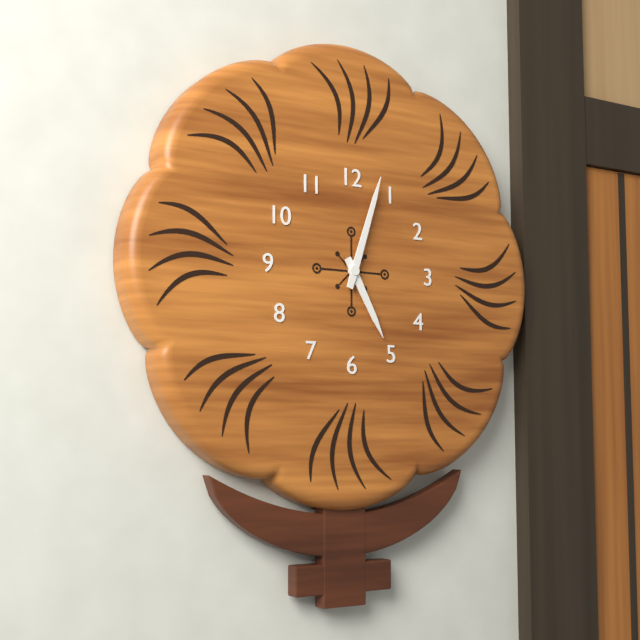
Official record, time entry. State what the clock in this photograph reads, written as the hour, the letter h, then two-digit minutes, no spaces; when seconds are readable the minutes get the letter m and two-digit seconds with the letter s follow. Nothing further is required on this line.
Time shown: 5h03
